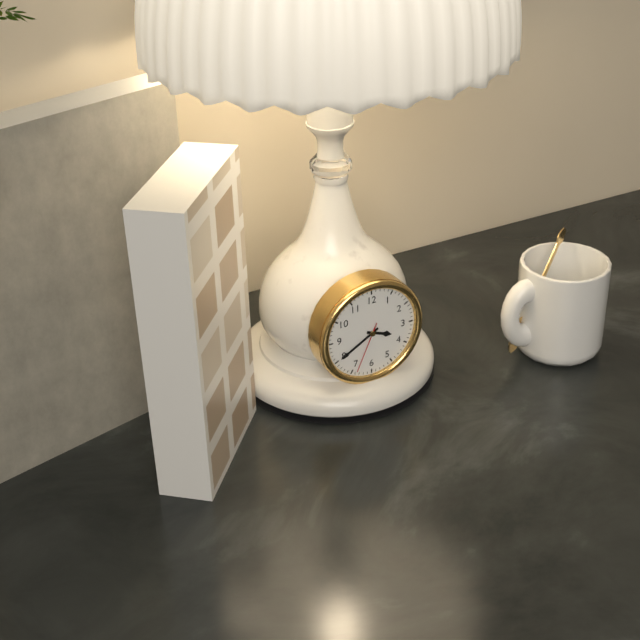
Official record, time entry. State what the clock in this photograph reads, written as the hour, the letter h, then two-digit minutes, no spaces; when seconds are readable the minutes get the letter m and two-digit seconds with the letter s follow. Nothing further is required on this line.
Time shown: 3h40m34s
